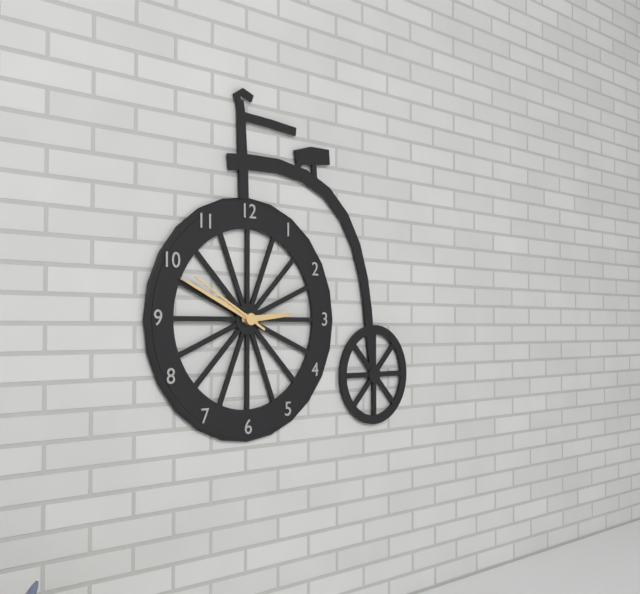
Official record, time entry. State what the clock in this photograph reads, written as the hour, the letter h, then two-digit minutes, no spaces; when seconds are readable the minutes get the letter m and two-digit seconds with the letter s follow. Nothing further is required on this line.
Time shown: 2h49m50s
